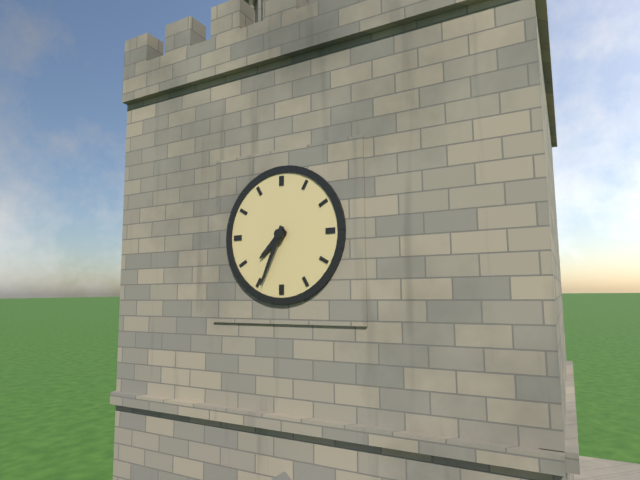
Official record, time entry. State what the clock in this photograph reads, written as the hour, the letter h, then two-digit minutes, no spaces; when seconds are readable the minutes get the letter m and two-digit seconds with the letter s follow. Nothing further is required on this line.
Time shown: 7h34
